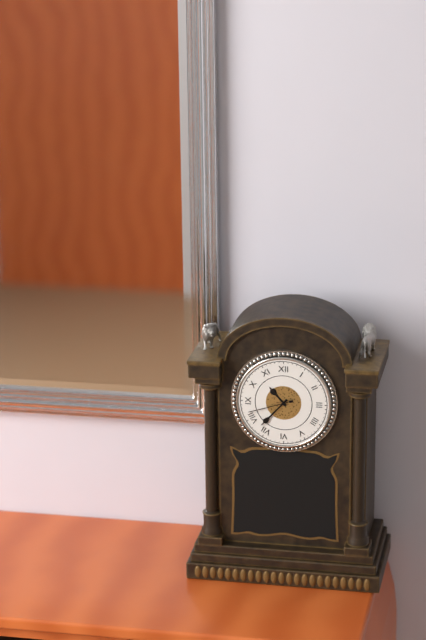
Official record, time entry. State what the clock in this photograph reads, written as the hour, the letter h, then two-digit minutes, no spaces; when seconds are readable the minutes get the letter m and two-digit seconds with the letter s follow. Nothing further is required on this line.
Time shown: 10h37
